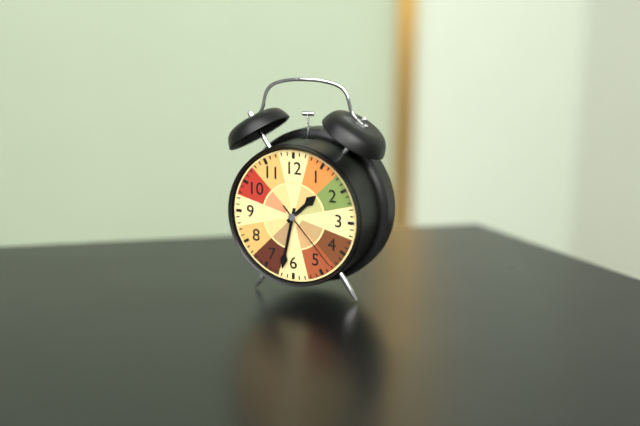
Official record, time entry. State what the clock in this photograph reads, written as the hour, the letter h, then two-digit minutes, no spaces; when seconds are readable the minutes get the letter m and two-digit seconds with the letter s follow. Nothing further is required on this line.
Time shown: 1h32m23s
